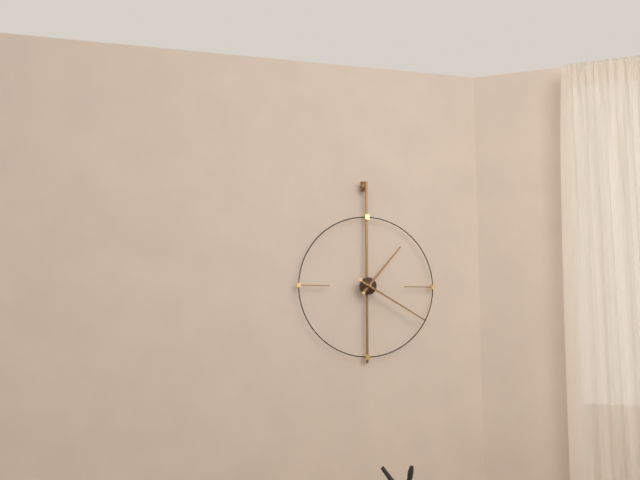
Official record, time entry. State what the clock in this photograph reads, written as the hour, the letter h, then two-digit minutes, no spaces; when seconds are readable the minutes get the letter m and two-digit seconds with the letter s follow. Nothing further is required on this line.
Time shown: 1h20
